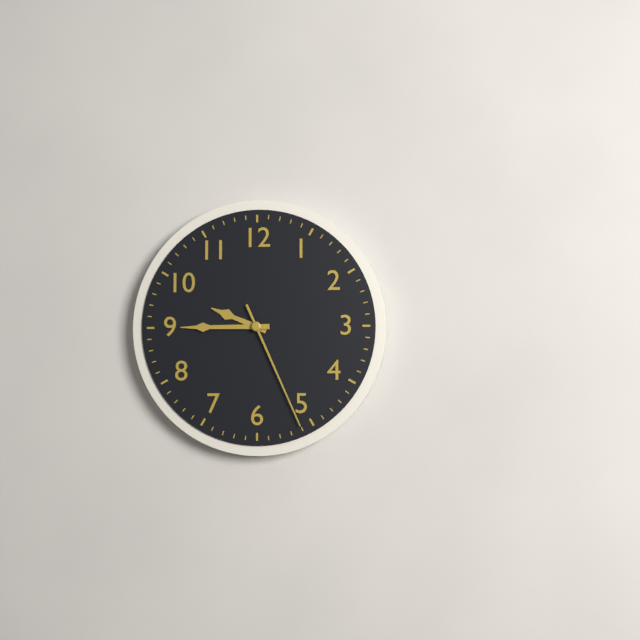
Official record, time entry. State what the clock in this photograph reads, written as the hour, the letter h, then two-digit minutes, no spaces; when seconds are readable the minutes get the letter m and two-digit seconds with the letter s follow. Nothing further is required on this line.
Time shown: 9h45m26s
